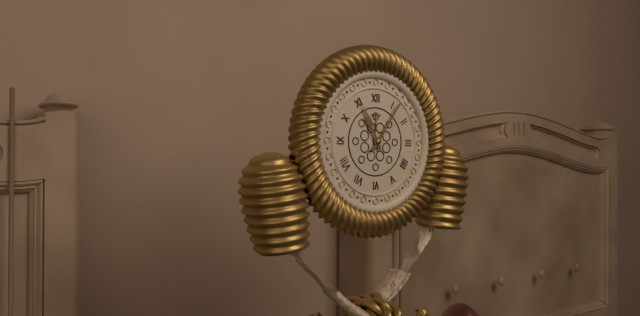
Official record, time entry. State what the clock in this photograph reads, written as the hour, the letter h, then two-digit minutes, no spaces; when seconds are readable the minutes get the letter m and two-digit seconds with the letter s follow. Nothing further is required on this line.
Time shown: 11h06
